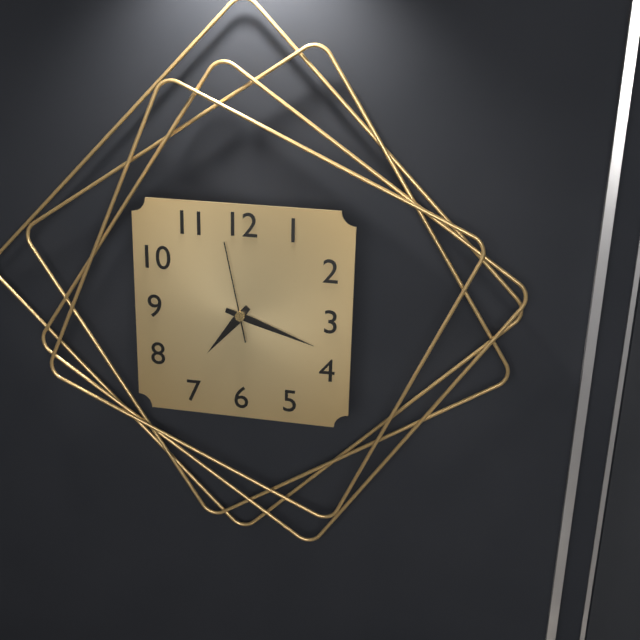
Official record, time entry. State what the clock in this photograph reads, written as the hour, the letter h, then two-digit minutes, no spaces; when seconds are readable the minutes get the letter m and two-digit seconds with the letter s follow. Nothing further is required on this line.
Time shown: 7h18m58s
